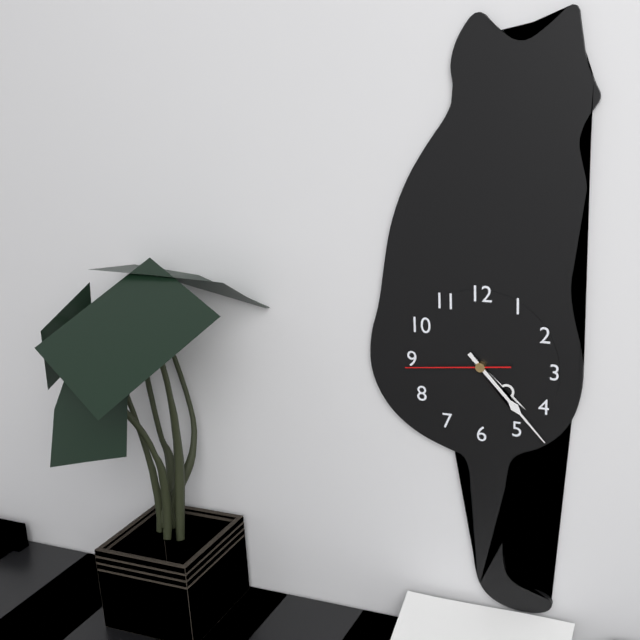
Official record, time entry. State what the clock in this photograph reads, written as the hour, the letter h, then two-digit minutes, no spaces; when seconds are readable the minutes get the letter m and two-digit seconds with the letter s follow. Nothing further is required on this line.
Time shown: 4h23m44s
